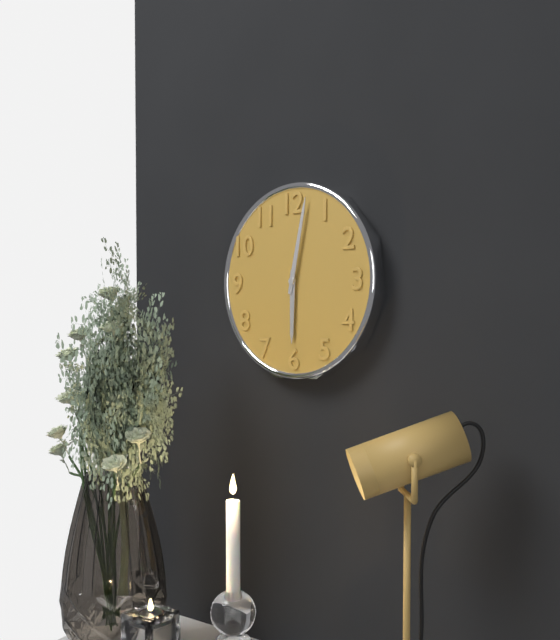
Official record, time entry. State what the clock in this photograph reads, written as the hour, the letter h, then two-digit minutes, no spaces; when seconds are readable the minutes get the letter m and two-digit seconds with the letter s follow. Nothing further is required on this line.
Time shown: 6h02
